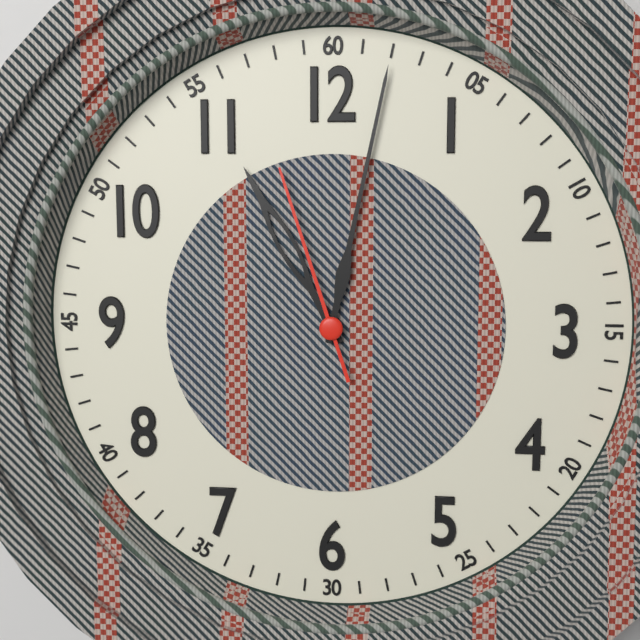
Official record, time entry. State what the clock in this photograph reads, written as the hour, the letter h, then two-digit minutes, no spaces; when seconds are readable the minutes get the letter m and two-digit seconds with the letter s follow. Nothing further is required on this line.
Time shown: 11h02m57s
